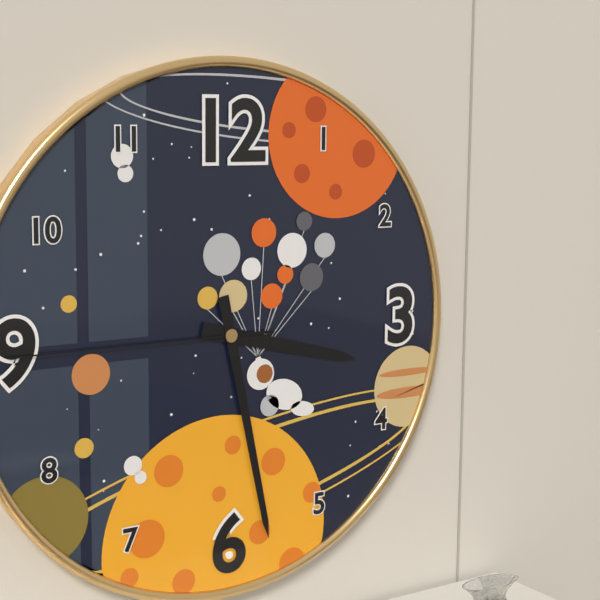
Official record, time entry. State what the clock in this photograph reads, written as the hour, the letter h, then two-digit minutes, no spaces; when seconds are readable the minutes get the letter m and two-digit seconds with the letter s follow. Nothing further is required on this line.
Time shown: 3h28m45s
